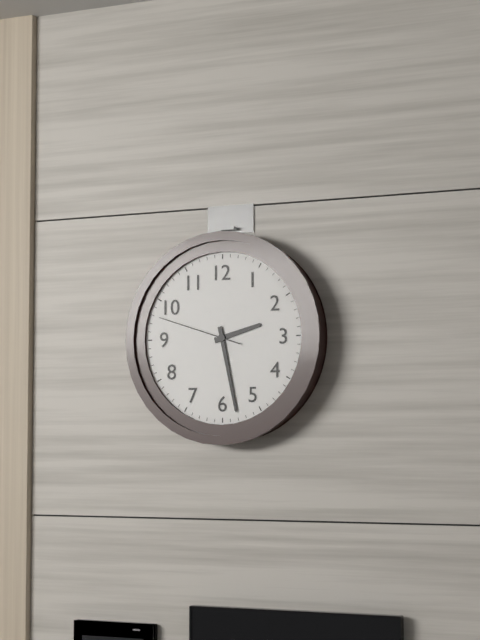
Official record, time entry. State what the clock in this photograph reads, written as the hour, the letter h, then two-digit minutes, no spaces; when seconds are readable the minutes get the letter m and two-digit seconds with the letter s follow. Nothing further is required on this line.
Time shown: 2h28m48s
